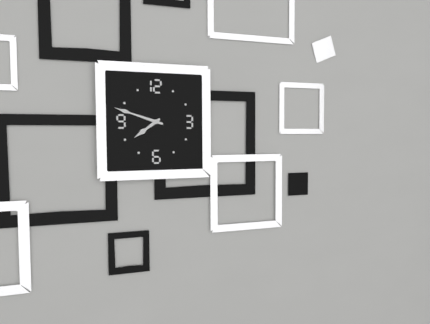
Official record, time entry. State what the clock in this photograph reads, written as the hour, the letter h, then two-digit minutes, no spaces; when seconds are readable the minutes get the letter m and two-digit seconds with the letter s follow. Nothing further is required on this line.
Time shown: 7h48
